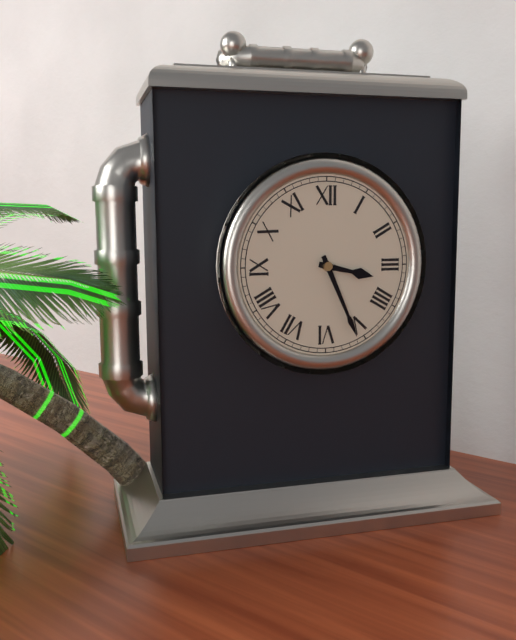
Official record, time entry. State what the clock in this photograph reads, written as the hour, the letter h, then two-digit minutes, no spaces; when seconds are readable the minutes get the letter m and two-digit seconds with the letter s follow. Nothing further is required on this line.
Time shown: 3h26
